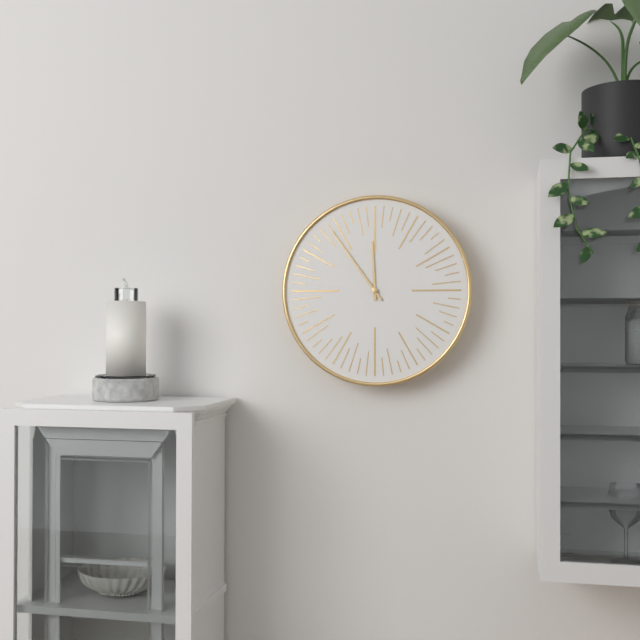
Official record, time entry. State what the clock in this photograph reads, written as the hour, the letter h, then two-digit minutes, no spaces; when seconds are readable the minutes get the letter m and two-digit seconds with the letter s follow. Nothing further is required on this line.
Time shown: 11h54
